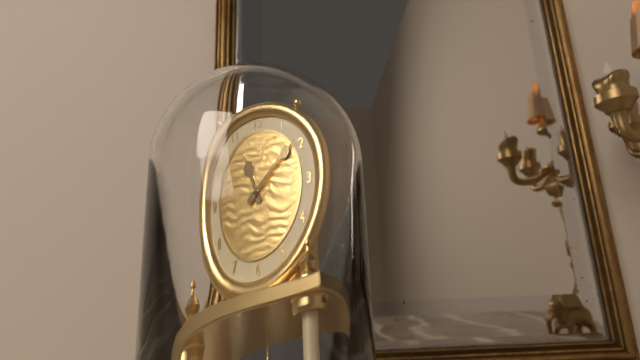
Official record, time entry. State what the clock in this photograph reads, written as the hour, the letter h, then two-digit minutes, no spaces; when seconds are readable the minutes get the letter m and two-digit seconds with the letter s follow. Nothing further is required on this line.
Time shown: 11h09
